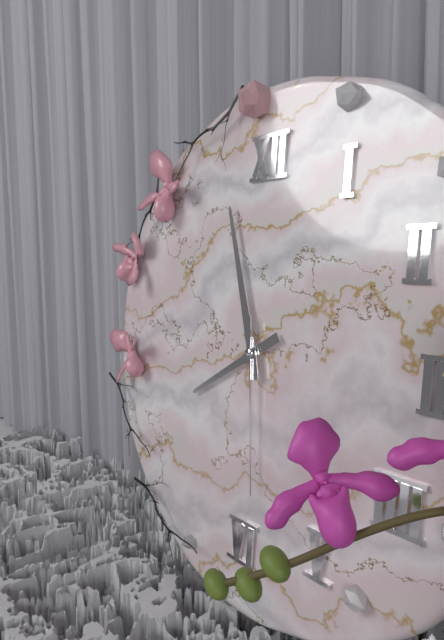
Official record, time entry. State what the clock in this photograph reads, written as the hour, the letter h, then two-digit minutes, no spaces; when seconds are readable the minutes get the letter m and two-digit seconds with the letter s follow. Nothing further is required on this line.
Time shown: 7h57m29s
